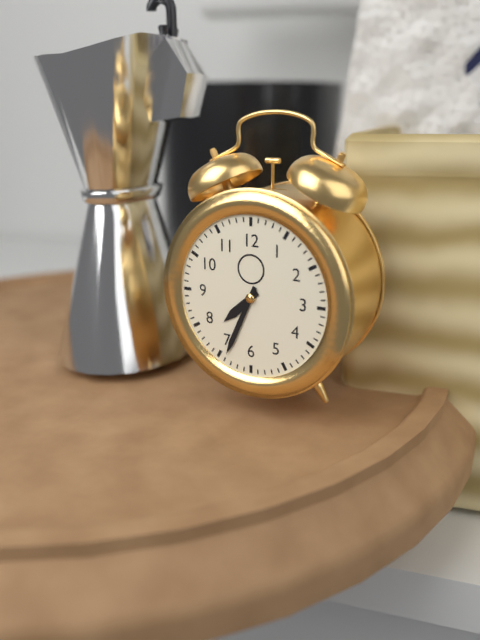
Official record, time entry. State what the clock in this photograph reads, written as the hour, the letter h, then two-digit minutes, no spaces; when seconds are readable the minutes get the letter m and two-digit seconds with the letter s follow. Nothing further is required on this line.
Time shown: 7h34
